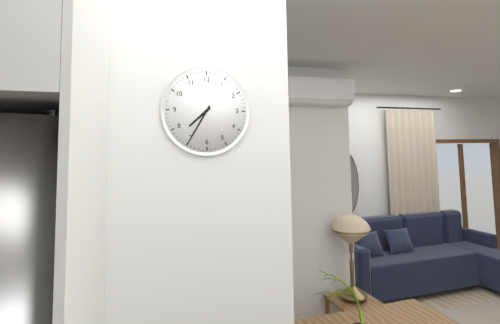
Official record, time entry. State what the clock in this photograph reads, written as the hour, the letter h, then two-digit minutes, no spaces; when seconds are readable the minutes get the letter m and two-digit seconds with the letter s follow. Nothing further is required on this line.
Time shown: 7h35
